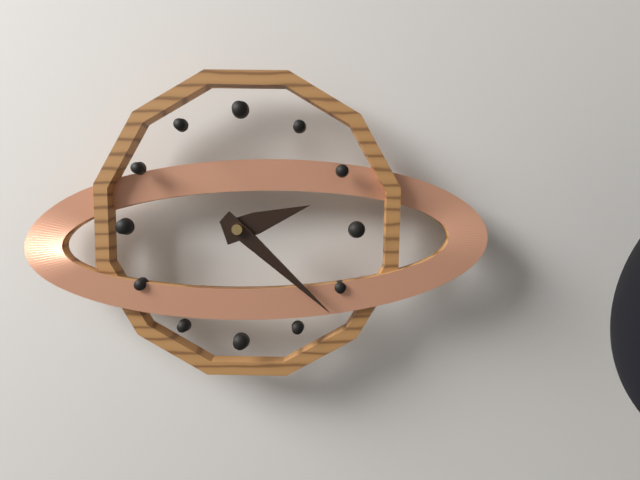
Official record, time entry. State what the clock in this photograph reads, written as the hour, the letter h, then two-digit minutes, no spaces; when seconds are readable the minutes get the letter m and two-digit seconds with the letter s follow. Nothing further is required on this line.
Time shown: 2h22
